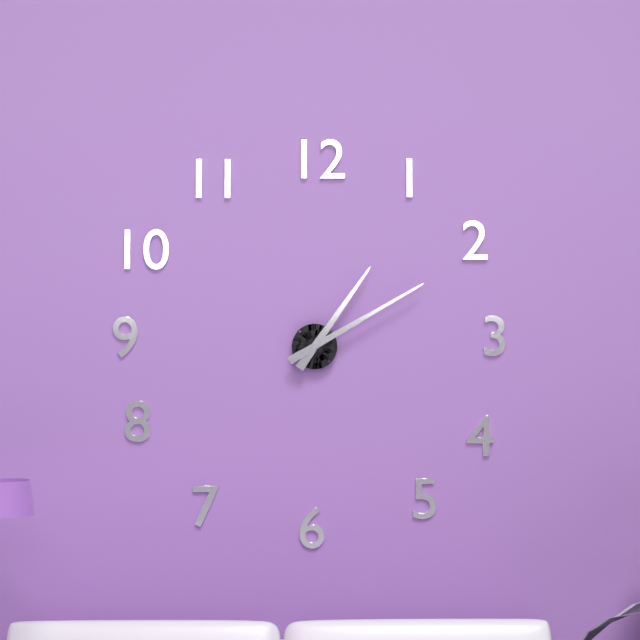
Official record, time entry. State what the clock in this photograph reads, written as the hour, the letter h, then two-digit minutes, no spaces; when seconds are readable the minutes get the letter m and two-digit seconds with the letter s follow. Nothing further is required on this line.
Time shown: 1h10
